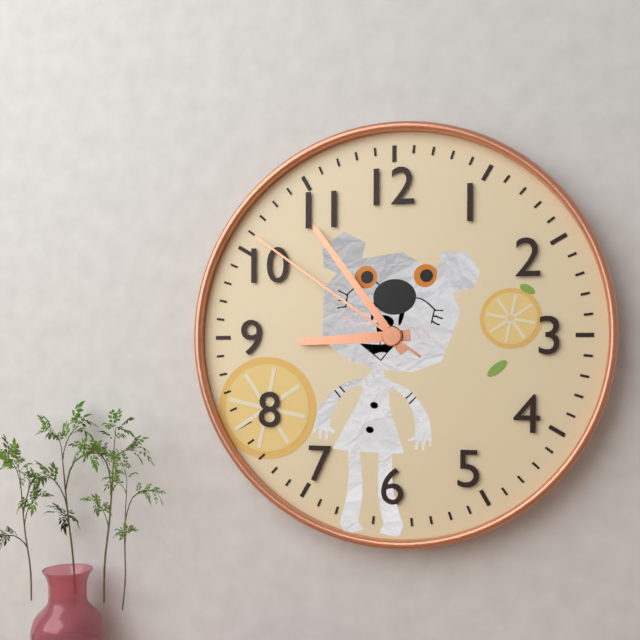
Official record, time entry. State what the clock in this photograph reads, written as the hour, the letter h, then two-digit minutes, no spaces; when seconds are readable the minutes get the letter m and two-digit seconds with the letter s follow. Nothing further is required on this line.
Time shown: 8h54m51s
